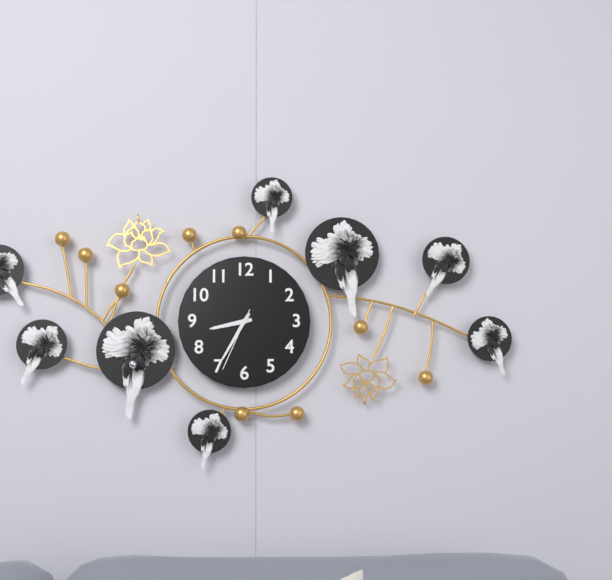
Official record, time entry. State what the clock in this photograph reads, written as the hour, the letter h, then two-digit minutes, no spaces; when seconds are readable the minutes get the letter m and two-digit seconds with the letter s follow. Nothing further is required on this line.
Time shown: 8h35m34s
